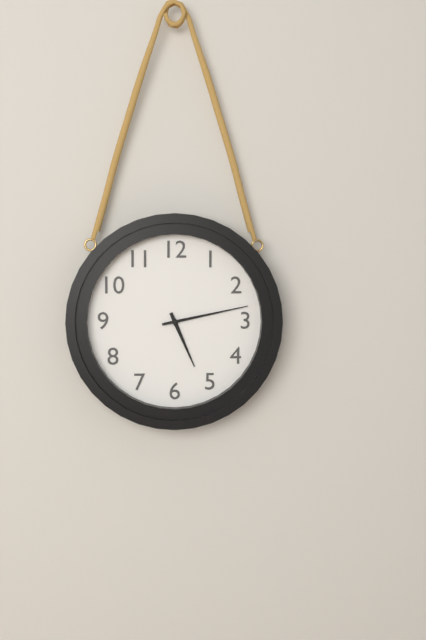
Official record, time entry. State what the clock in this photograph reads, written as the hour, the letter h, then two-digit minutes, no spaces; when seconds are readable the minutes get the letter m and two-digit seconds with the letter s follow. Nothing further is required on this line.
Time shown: 5h13
